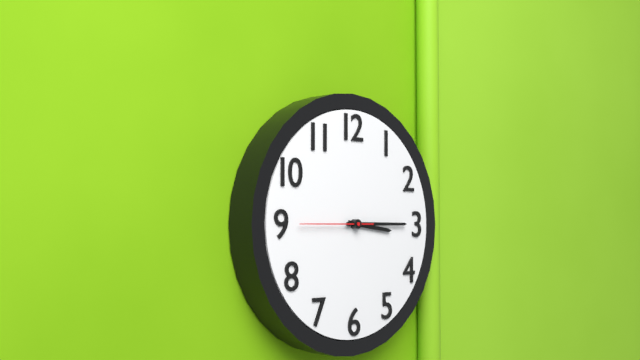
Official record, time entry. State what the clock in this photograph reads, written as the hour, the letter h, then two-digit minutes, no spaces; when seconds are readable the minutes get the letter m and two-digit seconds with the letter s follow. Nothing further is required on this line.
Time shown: 3h15m45s
